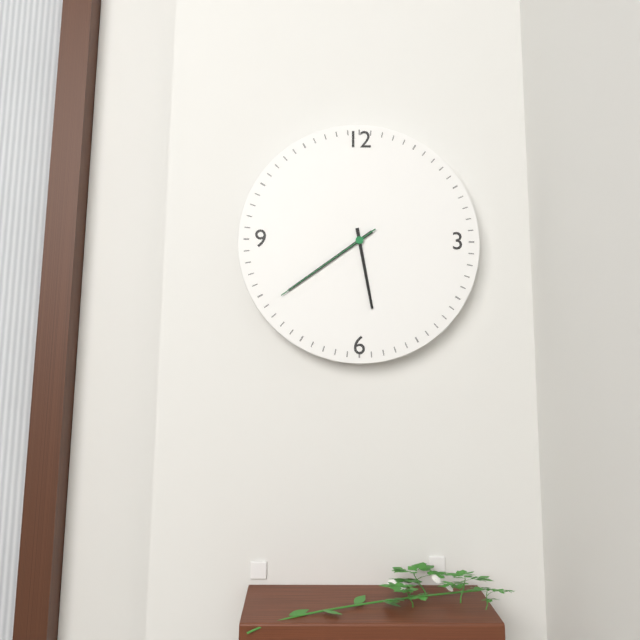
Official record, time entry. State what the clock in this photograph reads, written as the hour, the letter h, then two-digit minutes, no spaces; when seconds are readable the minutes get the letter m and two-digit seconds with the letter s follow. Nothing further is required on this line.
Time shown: 5h39m39s
